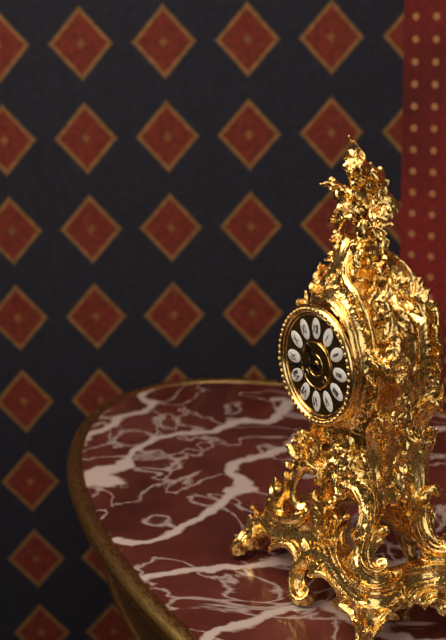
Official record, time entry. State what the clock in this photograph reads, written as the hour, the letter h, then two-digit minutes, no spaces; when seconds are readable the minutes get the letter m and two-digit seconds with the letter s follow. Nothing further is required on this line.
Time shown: 10h43
